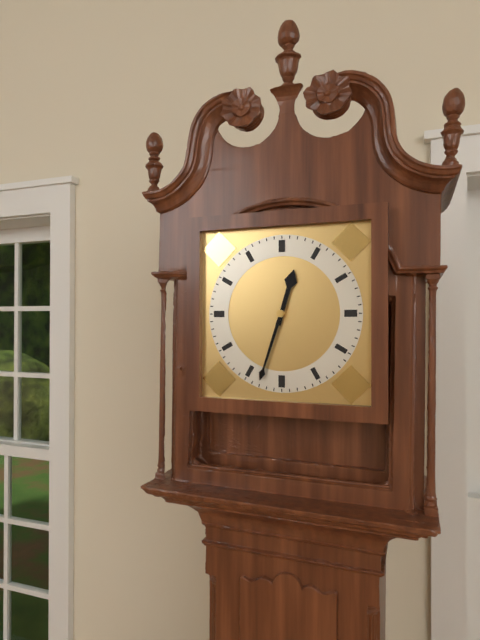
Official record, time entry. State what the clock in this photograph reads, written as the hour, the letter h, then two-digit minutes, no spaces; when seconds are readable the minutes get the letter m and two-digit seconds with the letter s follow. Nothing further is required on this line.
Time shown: 12h33
